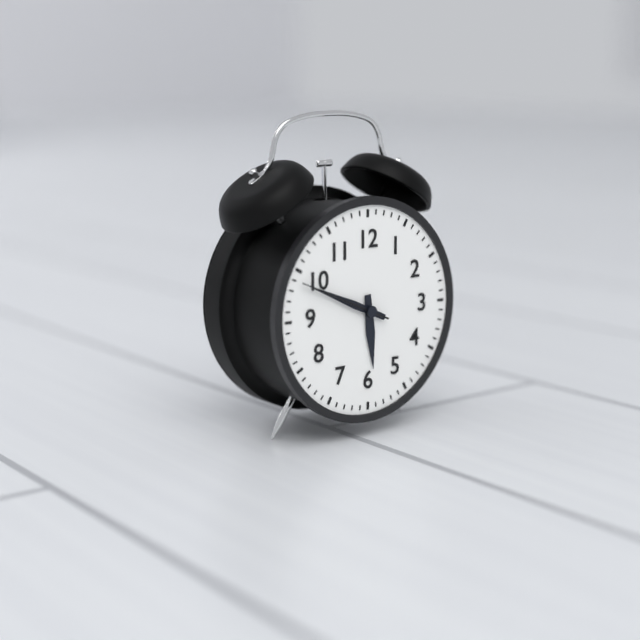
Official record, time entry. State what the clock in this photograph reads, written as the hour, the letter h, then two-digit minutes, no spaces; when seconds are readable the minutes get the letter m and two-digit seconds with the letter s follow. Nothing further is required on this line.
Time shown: 5h49m49s
